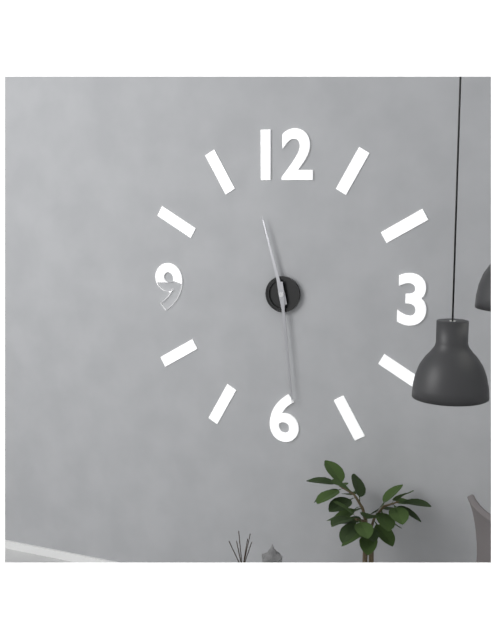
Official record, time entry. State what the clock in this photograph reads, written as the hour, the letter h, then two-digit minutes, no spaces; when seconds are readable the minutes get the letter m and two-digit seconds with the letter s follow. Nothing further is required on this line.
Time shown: 11h29
